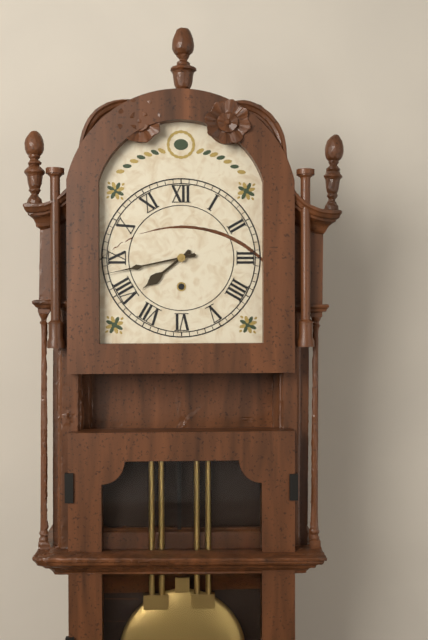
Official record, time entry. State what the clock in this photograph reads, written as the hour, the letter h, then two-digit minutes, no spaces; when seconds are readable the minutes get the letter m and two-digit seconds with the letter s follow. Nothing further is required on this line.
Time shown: 7h43
